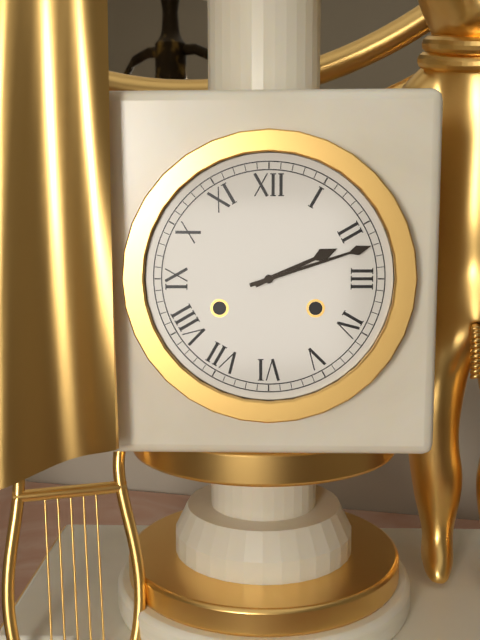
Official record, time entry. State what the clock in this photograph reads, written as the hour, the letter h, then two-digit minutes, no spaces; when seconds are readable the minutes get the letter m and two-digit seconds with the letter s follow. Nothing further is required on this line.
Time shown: 2h12
